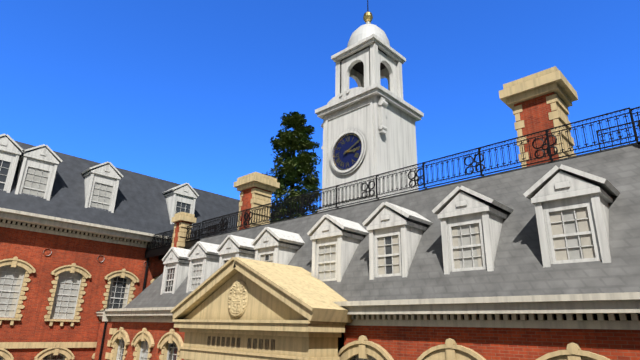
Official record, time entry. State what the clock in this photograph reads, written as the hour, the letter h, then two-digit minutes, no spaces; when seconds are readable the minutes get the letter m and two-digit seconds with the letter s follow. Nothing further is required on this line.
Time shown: 3h11
